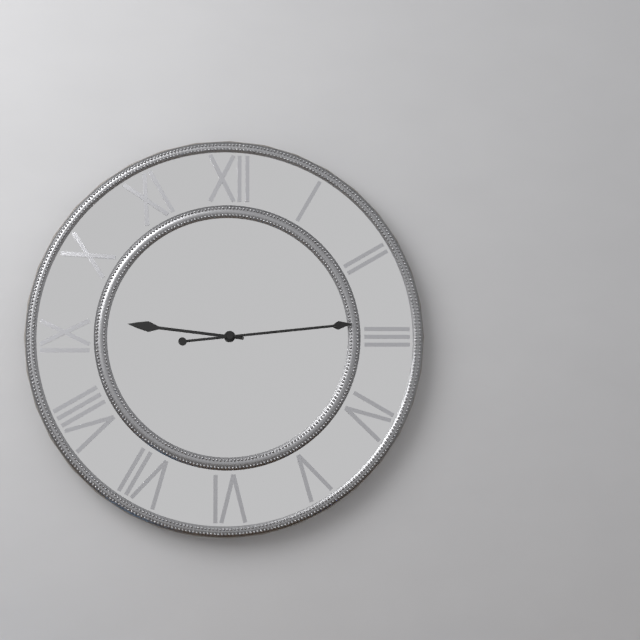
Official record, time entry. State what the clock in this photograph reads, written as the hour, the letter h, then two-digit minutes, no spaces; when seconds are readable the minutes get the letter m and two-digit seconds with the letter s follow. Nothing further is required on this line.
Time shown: 9h14
